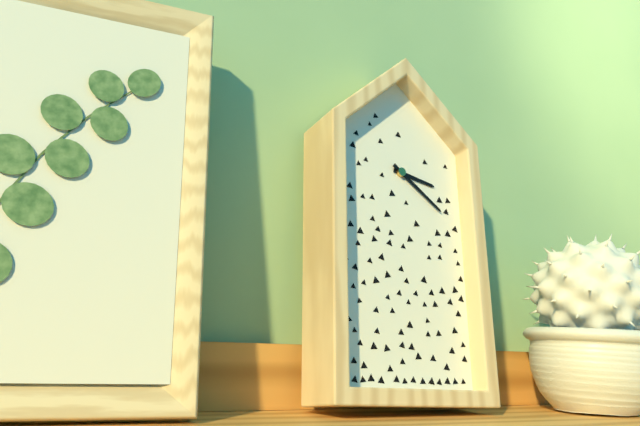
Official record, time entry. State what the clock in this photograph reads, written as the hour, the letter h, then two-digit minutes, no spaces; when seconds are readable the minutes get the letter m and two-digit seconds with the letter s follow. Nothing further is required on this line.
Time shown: 3h21
